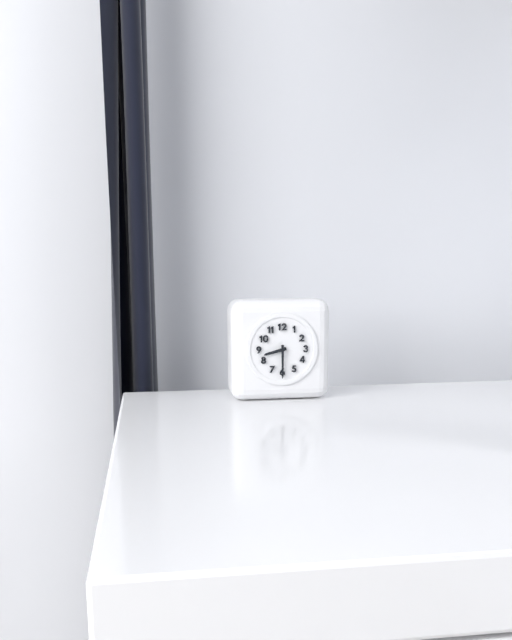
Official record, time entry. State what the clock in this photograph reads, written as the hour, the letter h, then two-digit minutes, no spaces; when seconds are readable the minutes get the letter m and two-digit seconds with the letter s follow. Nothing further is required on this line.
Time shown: 8h30
